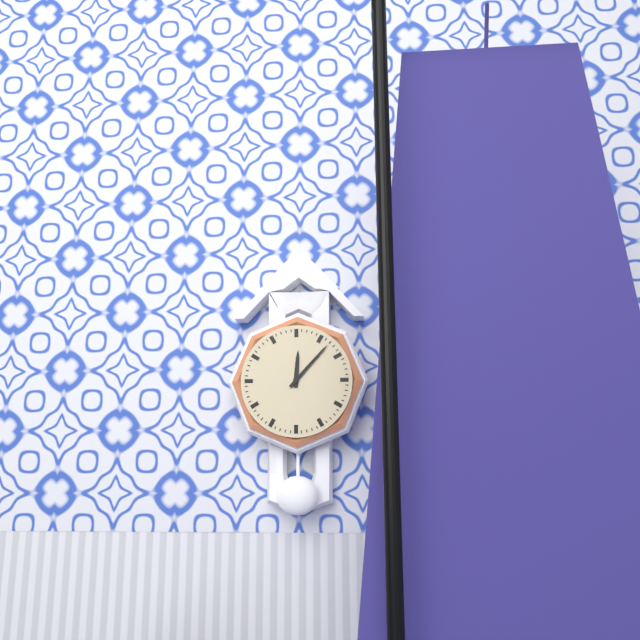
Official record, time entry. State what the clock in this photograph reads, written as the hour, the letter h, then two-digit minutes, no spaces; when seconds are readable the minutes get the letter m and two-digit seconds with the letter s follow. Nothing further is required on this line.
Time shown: 12h07
